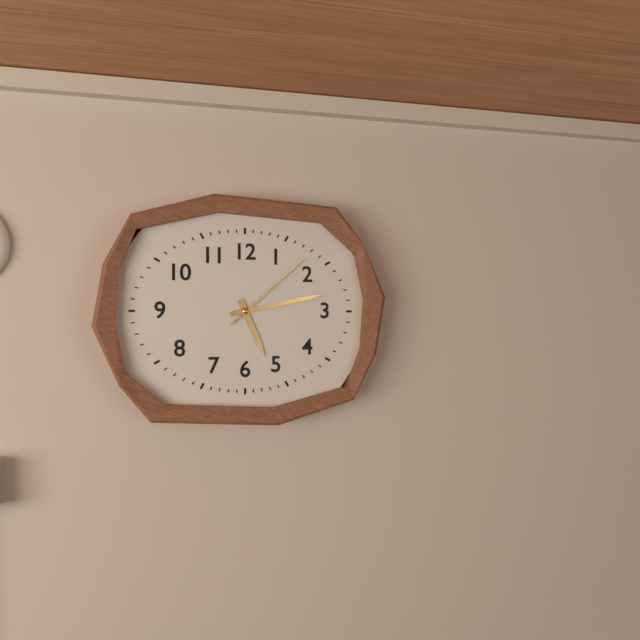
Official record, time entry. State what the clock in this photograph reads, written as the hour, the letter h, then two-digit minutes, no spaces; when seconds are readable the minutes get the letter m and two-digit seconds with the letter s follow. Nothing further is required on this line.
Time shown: 5h13m08s
